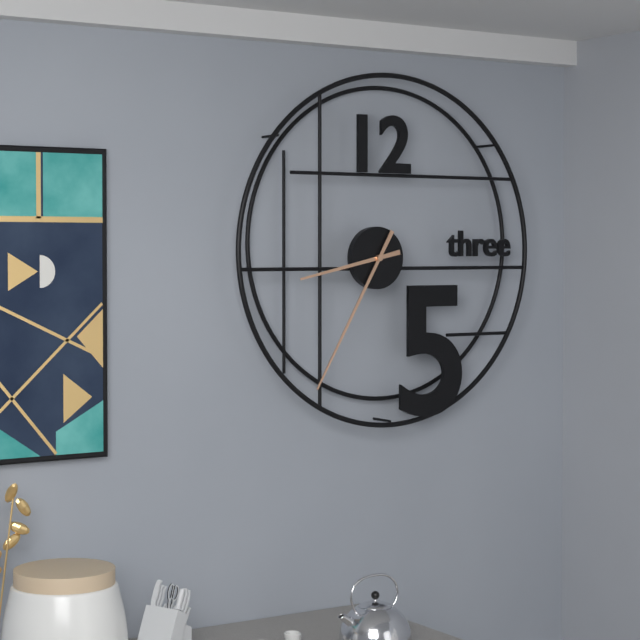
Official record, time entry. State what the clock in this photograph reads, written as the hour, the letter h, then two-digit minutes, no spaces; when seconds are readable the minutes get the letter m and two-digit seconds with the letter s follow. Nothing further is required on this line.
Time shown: 8h35
